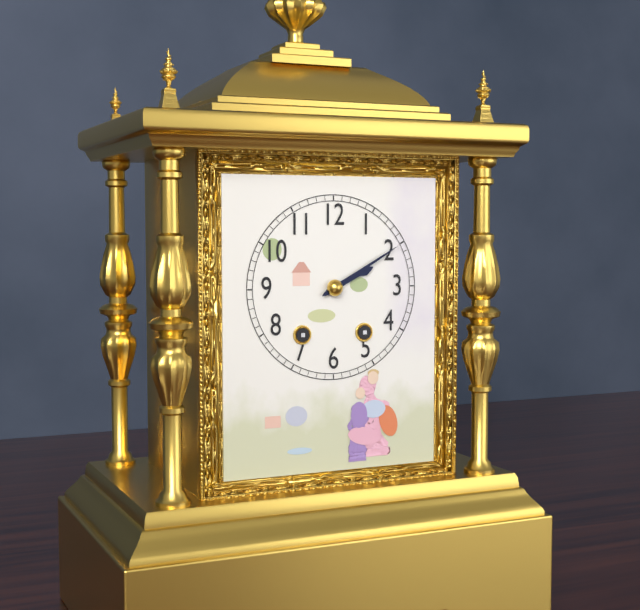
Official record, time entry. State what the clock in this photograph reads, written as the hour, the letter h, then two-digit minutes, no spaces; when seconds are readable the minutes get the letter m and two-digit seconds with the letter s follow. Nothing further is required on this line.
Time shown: 2h10
